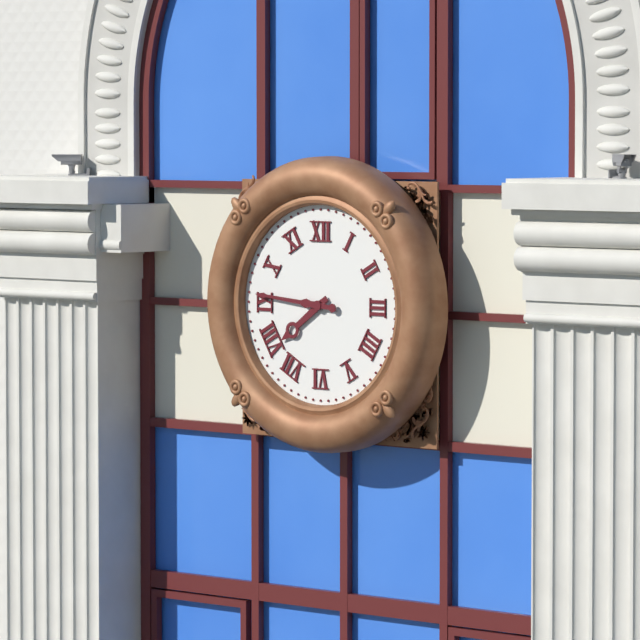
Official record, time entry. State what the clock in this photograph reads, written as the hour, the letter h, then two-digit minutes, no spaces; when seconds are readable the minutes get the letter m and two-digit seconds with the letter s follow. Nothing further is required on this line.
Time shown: 7h46
